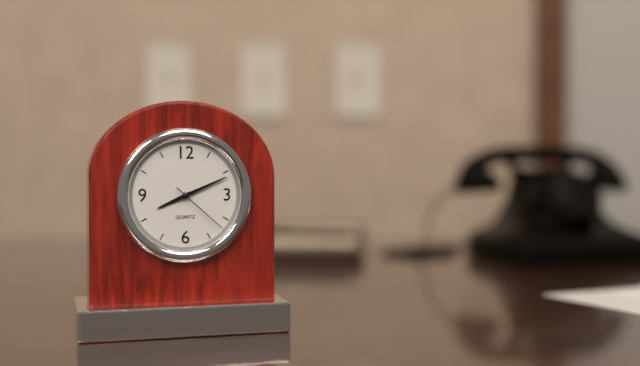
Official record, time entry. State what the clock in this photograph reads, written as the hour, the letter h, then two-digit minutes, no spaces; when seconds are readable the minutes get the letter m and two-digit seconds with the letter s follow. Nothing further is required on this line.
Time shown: 8h11m22s
